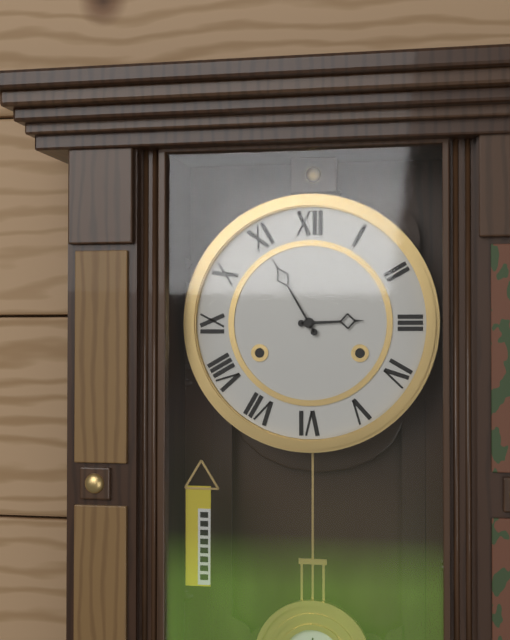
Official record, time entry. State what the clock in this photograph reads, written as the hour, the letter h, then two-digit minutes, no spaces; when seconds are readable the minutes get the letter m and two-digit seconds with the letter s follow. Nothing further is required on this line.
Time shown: 2h55
